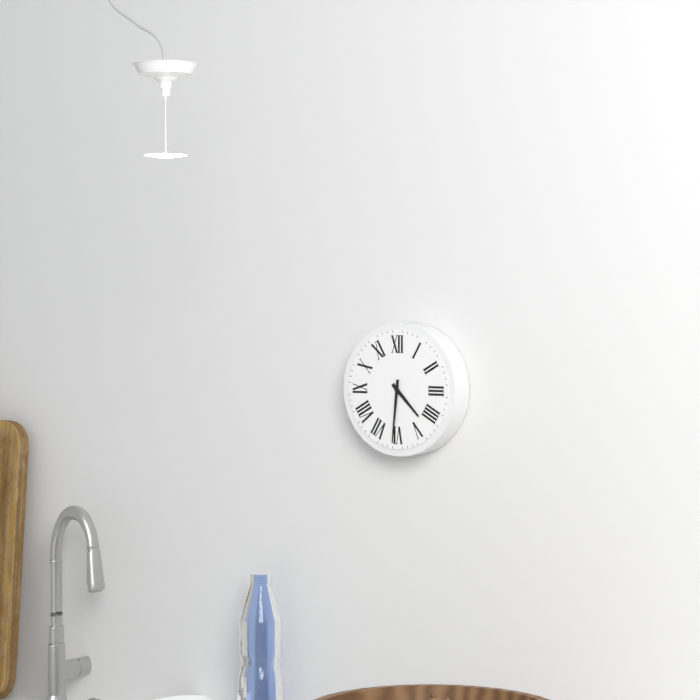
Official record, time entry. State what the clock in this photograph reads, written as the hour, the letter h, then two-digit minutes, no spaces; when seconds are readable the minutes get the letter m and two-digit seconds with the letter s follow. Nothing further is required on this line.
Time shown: 4h31
